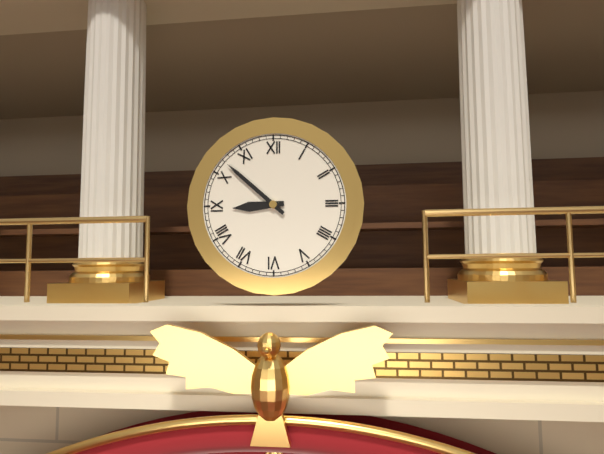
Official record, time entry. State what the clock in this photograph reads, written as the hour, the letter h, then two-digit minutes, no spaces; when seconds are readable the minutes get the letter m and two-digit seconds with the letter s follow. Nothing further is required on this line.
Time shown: 8h52
